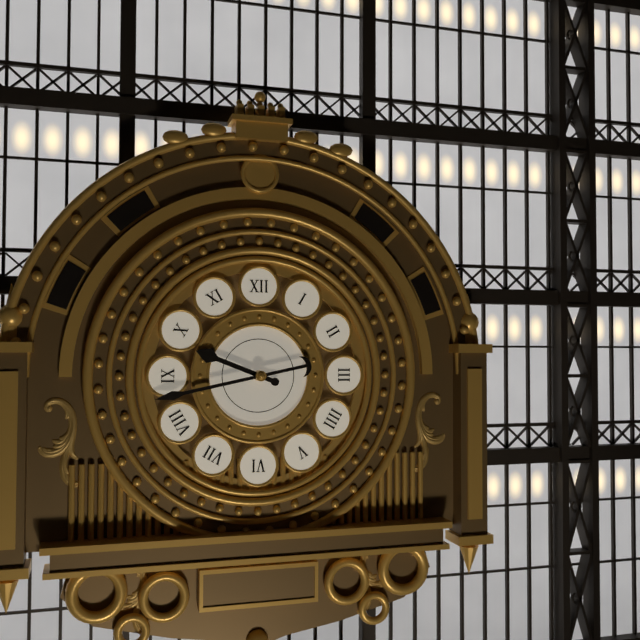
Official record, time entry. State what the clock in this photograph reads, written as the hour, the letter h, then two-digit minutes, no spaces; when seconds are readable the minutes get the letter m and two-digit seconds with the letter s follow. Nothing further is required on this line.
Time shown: 9h43
